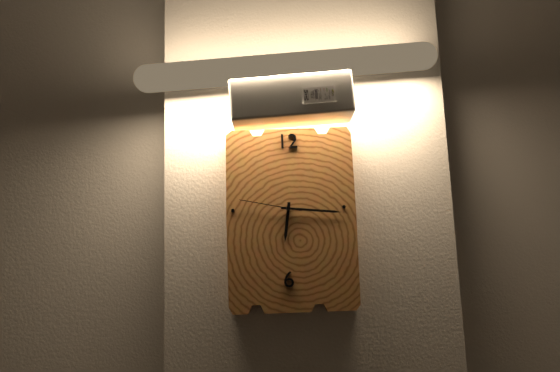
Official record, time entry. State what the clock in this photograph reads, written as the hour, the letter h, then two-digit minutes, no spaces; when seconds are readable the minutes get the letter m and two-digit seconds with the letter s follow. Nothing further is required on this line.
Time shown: 6h16m47s
